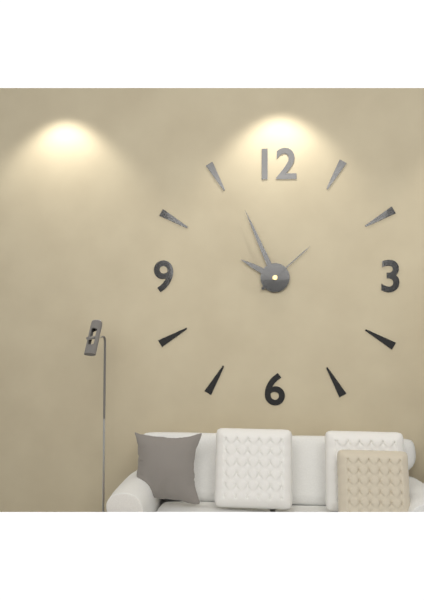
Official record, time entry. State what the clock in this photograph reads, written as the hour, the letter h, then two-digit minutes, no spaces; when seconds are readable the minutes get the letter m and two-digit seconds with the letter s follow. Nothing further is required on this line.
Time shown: 9h56m08s
